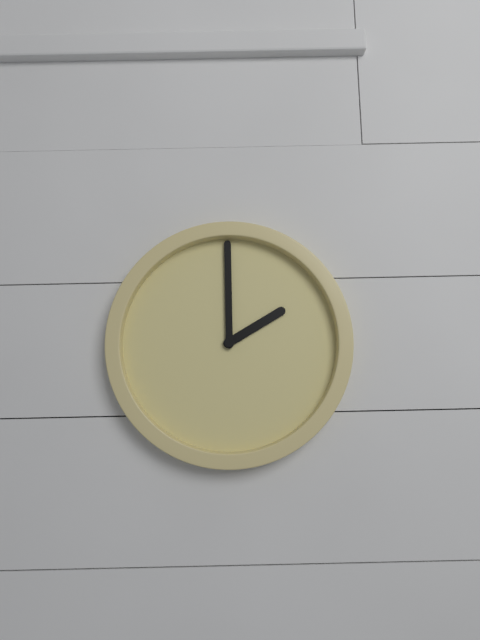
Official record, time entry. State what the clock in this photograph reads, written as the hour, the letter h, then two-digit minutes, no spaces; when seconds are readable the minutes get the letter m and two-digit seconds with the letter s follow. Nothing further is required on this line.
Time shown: 2h00
